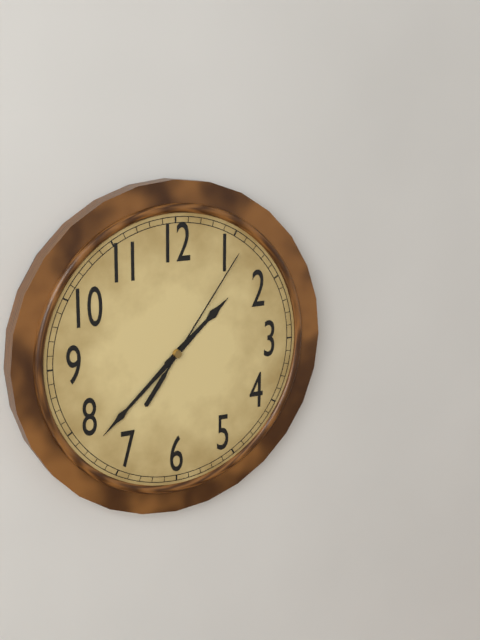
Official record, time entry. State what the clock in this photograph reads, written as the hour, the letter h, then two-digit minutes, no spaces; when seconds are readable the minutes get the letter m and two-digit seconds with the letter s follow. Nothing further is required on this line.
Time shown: 1h38m06s
